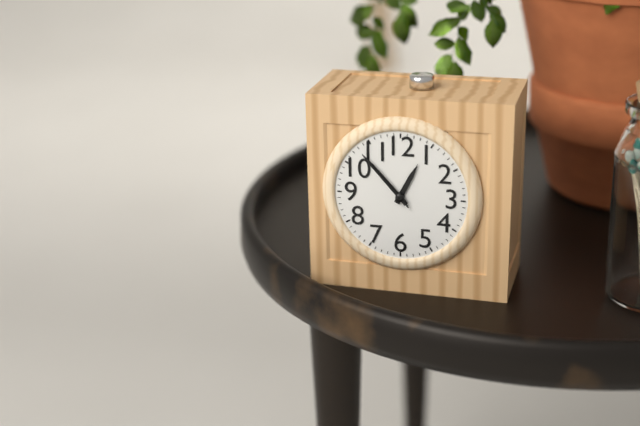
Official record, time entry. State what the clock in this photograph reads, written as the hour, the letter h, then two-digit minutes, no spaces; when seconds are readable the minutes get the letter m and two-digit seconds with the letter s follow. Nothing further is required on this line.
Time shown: 12h53m53s
